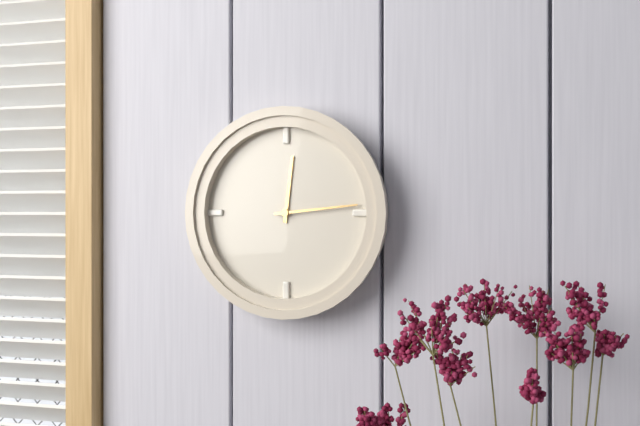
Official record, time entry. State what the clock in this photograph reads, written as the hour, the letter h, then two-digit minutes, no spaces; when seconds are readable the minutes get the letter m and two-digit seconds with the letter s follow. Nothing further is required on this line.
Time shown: 12h14
